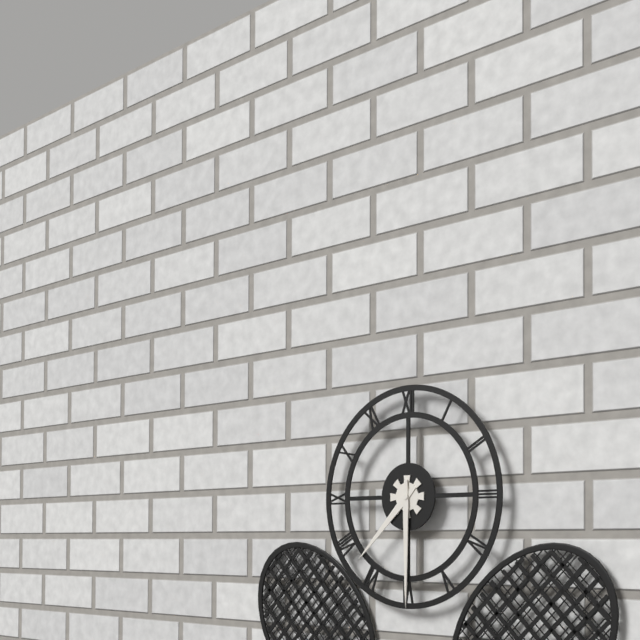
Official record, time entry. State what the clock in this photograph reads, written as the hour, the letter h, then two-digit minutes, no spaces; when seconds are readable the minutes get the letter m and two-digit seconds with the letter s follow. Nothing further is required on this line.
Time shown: 7h30
